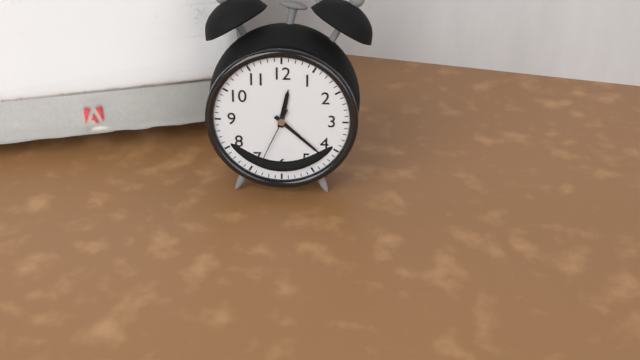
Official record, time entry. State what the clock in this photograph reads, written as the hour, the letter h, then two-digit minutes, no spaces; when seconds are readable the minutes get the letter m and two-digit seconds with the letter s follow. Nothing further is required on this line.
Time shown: 12h22m34s
